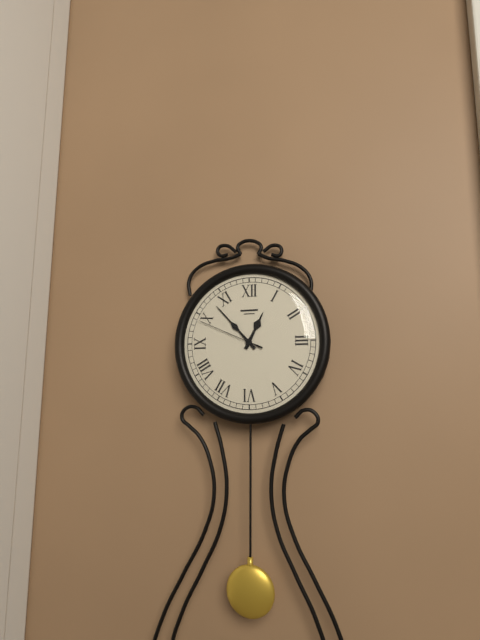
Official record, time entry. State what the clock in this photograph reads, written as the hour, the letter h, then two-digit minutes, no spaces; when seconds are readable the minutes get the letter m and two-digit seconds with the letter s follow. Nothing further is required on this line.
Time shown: 12h53m49s
